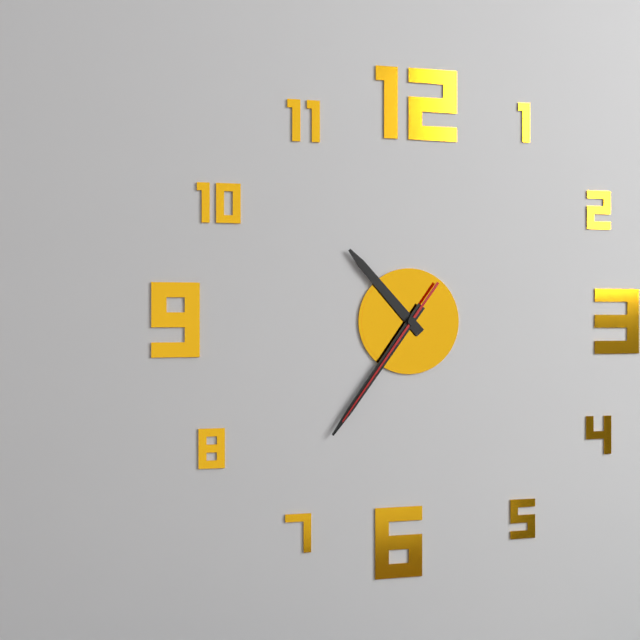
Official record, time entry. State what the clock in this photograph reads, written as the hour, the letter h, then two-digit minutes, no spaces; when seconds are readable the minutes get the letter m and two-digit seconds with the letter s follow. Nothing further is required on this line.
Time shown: 10h36m36s
